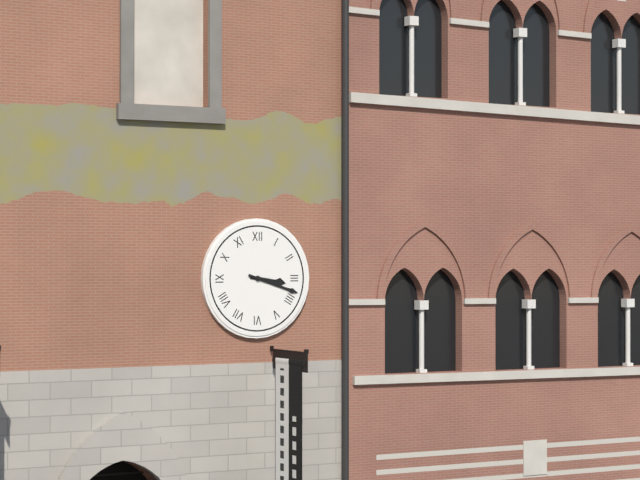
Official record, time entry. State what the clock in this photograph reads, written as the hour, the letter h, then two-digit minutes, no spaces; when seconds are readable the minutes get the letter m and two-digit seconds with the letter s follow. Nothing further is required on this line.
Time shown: 3h18
